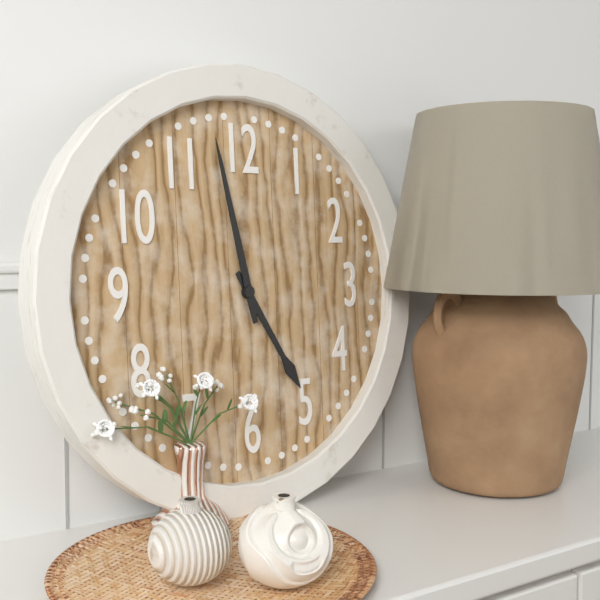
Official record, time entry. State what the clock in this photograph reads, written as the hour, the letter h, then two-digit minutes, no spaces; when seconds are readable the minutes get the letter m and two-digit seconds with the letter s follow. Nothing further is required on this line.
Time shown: 4h58
